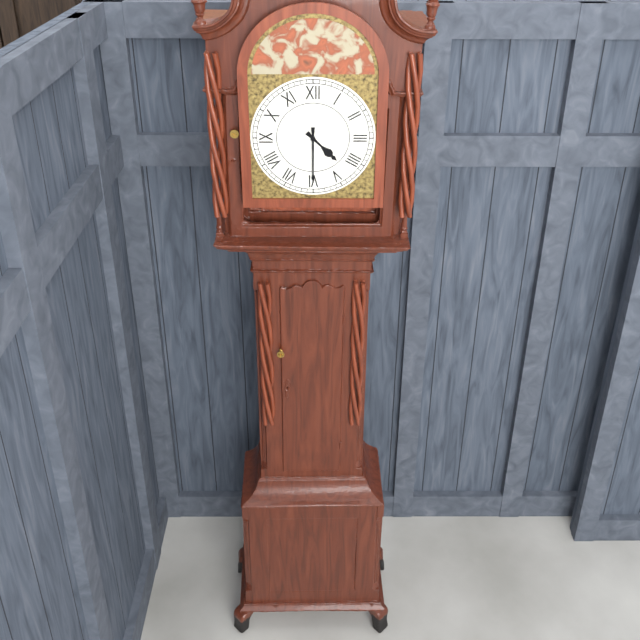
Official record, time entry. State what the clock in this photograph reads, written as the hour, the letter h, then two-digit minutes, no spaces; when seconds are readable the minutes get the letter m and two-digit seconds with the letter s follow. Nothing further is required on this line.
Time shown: 4h30
